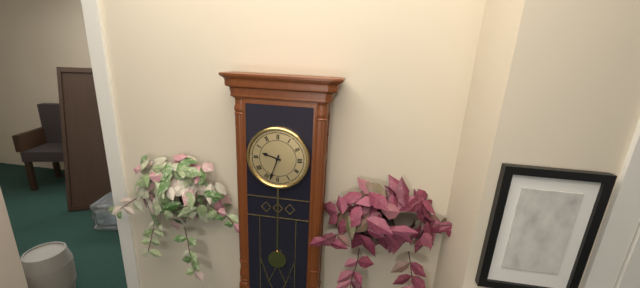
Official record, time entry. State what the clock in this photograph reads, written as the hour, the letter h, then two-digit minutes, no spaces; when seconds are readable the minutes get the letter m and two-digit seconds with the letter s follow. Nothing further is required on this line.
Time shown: 9h33
